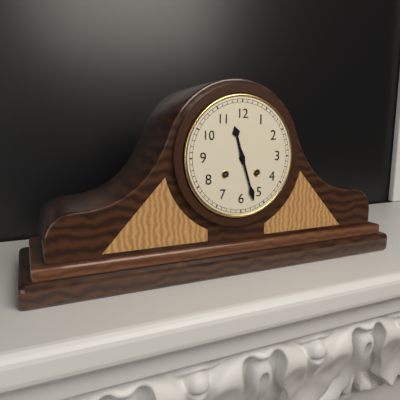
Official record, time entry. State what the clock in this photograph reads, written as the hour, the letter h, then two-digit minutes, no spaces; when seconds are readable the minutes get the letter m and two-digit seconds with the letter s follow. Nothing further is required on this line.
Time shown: 11h27
